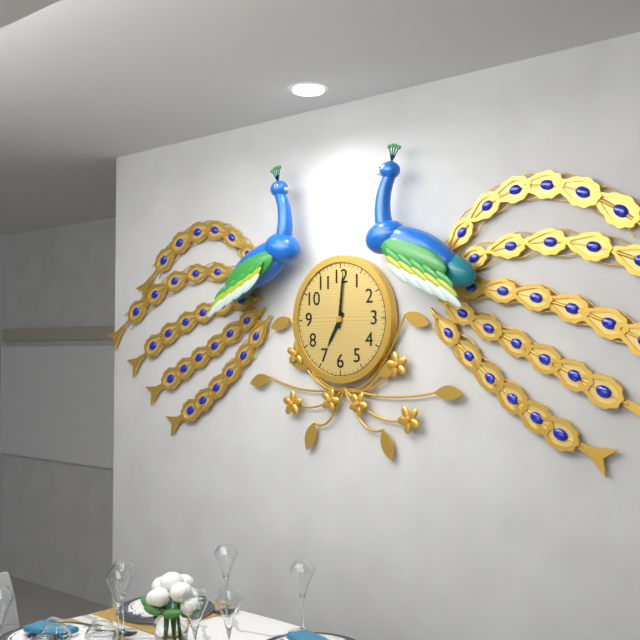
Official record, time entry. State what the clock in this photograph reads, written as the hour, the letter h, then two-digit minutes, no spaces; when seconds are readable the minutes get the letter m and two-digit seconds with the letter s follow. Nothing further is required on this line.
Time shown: 7h01
